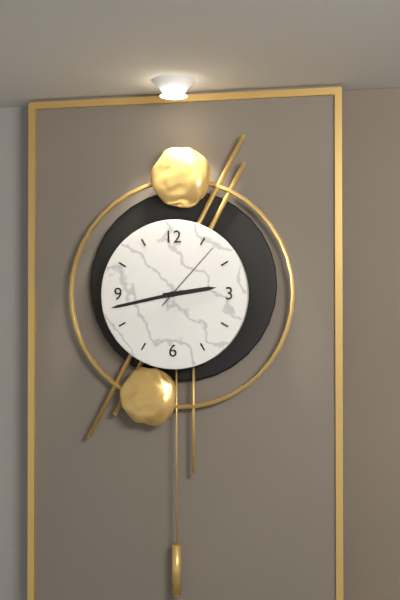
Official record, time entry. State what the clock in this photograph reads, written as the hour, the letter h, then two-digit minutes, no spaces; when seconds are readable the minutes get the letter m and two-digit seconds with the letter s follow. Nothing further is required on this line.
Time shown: 2h43m07s
